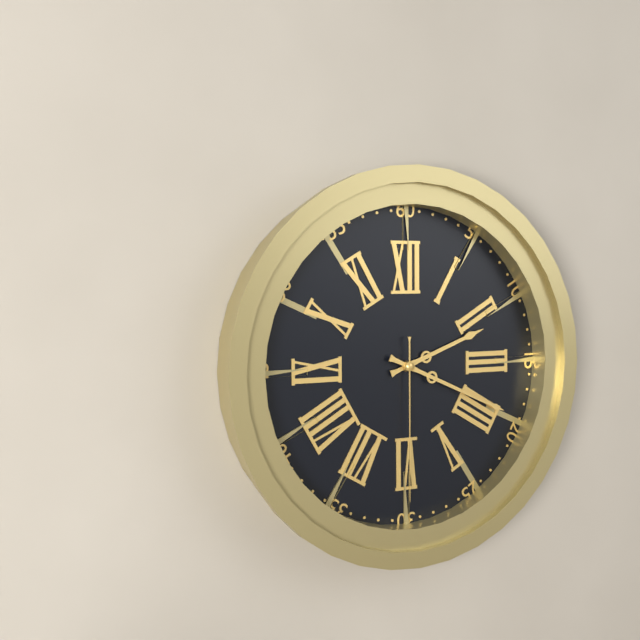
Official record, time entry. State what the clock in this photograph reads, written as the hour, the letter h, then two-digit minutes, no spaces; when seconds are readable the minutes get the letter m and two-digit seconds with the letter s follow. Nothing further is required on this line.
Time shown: 2h19m30s
